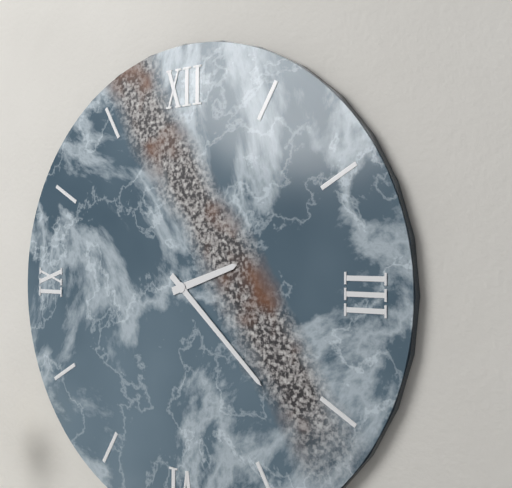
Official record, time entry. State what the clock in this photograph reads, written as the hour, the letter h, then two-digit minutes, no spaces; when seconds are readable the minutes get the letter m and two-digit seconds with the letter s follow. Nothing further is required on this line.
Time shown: 2h22
